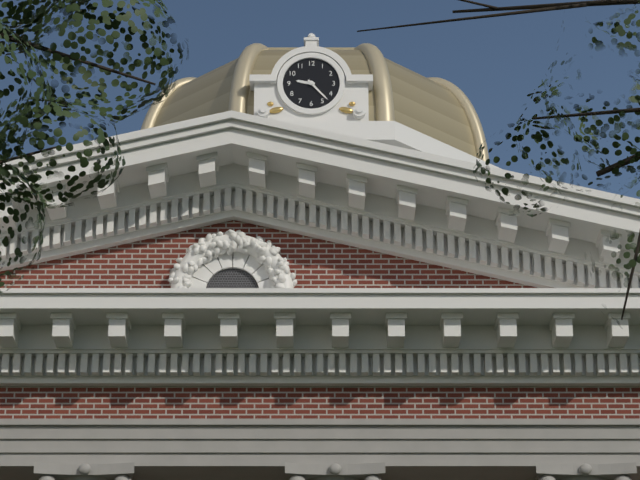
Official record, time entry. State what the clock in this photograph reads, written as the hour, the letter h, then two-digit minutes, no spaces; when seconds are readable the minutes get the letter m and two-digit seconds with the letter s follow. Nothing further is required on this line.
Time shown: 9h23
